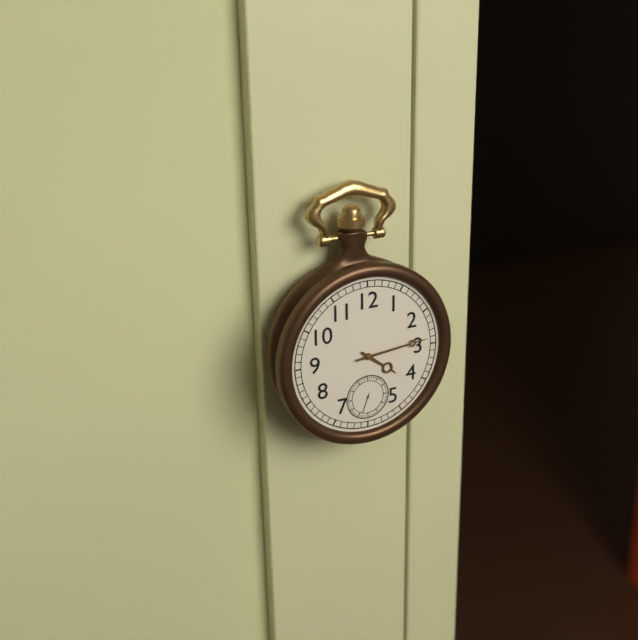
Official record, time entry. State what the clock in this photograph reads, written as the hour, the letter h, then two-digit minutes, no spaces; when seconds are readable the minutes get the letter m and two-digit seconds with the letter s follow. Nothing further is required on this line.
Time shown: 4h14
